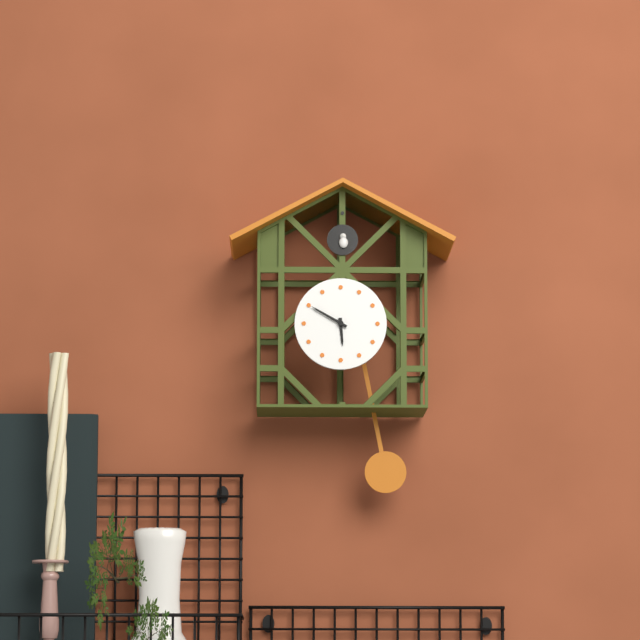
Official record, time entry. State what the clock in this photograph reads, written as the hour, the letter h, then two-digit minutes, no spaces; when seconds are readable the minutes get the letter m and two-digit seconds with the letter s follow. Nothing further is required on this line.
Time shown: 5h50
